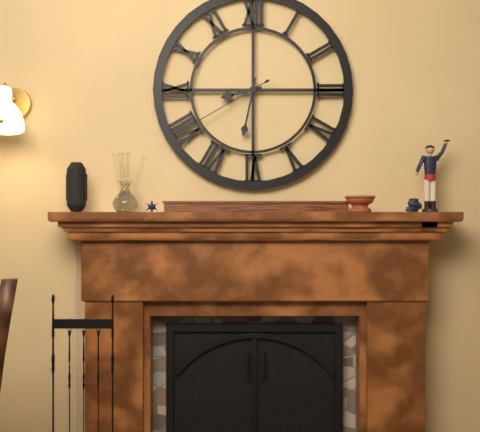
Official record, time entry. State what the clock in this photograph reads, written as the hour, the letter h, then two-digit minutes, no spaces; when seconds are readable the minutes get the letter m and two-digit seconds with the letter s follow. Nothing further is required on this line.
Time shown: 8h32m40s
